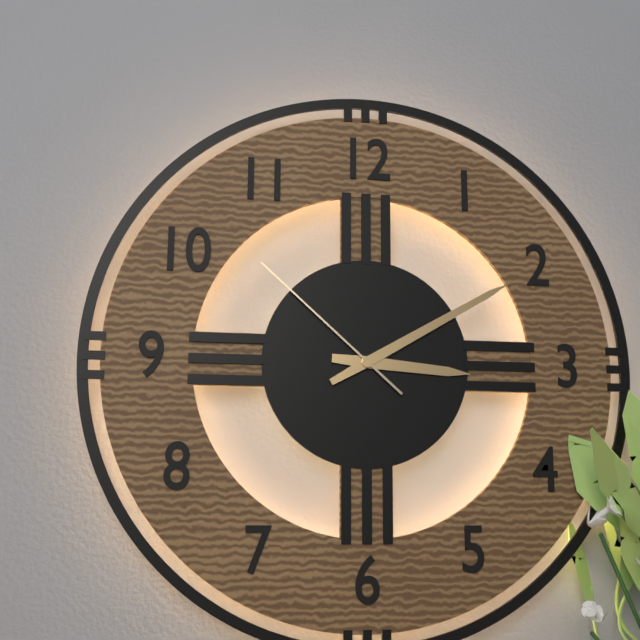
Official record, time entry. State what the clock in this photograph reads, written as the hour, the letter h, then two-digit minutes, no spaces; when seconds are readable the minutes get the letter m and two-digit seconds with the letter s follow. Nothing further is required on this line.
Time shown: 3h10m52s
